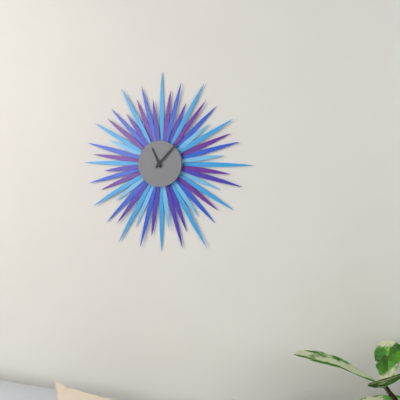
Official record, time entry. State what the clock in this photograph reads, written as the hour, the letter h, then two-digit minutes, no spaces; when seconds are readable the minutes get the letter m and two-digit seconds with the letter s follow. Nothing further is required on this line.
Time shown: 11h07
